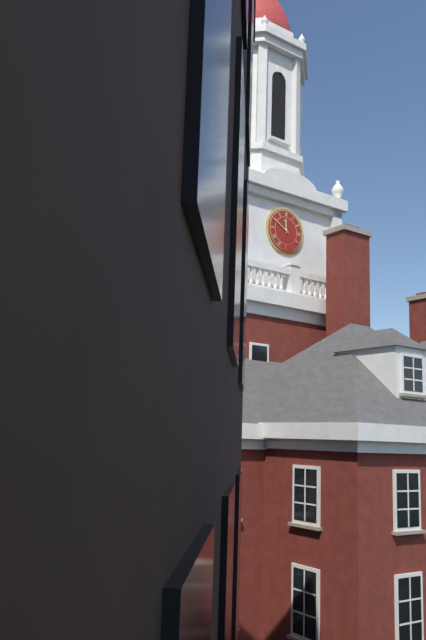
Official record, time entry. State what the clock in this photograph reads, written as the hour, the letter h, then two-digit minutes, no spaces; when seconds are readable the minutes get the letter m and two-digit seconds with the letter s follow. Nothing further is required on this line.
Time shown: 11h50
